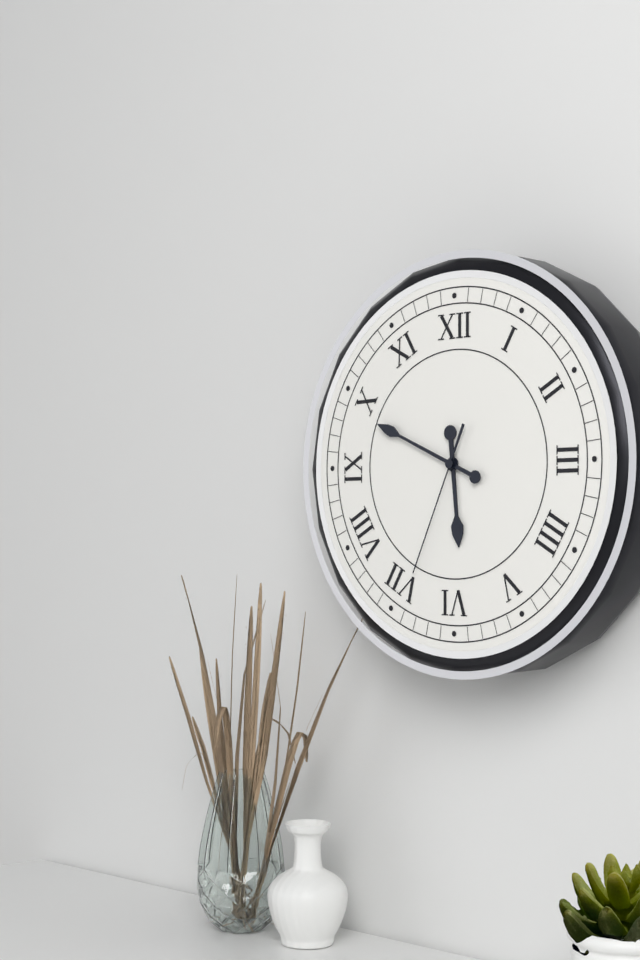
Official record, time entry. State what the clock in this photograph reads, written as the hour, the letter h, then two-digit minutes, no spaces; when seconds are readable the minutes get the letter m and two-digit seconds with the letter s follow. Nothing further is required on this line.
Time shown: 5h49m34s
